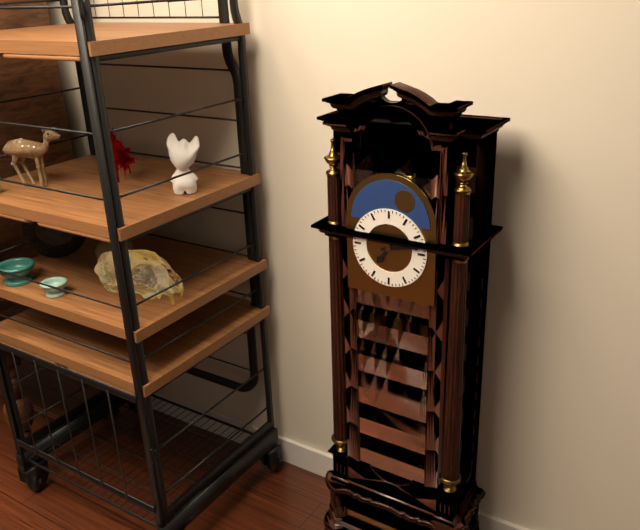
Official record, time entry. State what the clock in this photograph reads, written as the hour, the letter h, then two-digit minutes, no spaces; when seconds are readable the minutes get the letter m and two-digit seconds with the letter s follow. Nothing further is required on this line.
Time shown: 7h13
